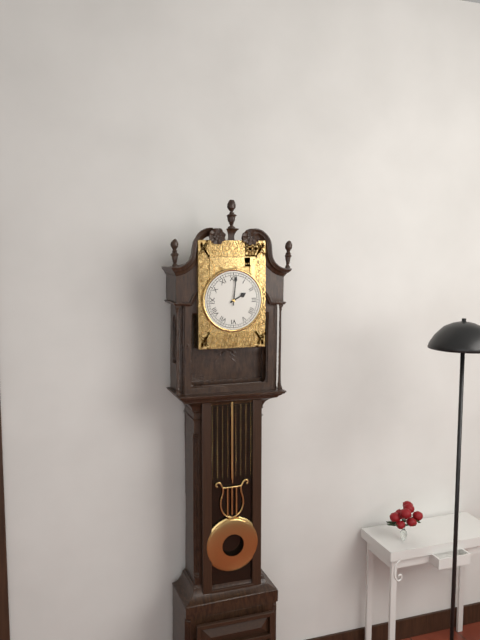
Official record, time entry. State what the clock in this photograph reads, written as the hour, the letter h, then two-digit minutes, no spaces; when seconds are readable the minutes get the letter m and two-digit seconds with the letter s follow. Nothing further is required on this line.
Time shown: 2h01
